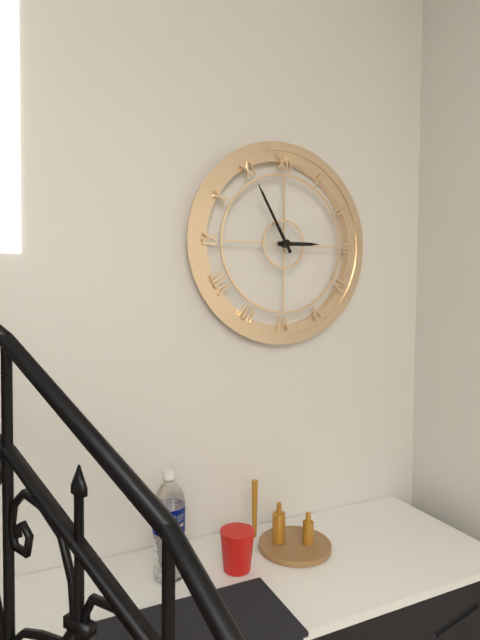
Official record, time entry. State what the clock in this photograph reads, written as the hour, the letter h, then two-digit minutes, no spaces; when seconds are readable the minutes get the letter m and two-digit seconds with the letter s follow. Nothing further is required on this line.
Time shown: 2h55
